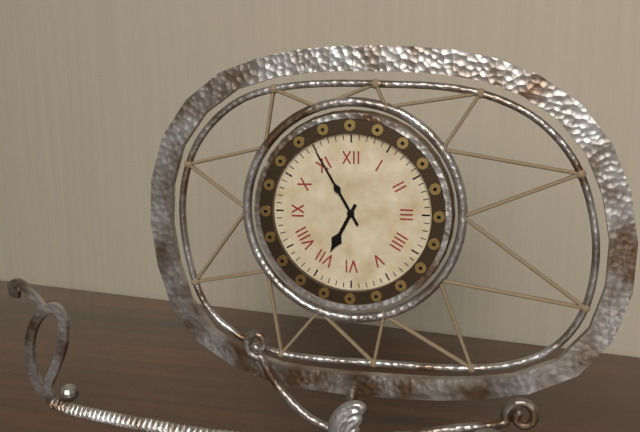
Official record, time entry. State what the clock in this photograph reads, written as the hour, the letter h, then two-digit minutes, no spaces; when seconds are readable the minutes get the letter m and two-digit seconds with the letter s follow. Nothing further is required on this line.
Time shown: 6h55
